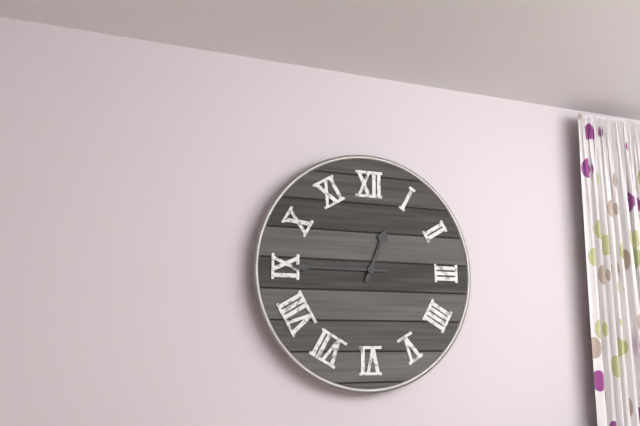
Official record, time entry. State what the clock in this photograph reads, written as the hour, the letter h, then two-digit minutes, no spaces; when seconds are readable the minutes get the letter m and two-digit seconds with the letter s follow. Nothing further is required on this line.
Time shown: 12h45
